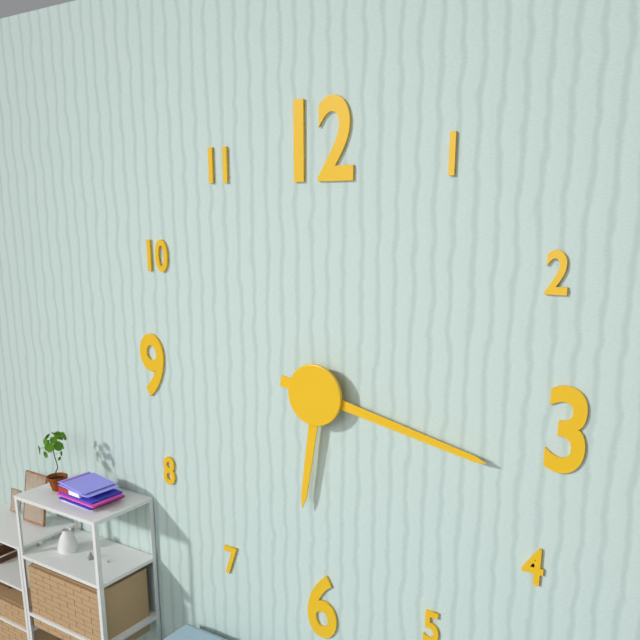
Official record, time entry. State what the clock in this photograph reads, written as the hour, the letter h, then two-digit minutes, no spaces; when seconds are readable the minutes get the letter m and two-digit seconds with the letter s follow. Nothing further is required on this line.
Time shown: 6h17
